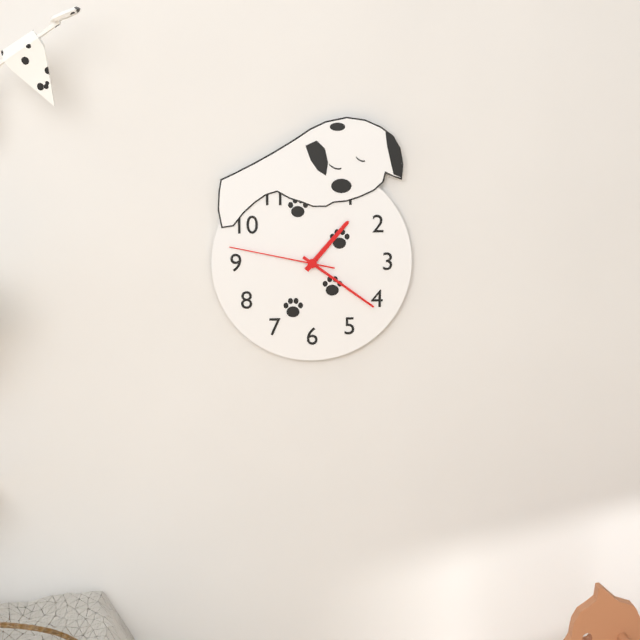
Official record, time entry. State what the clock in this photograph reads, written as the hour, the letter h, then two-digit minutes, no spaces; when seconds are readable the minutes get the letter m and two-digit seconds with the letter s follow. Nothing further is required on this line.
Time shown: 1h21m47s
